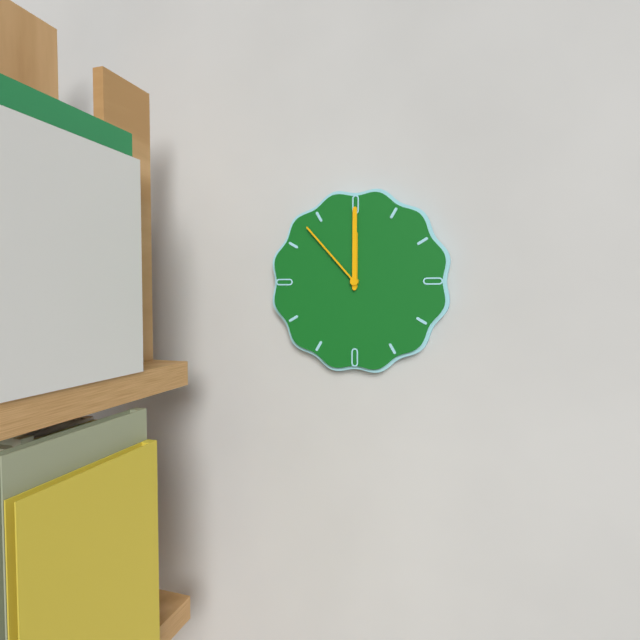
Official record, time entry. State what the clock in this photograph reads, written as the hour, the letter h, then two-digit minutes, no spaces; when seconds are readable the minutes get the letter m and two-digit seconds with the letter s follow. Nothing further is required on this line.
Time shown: 12h00m53s
